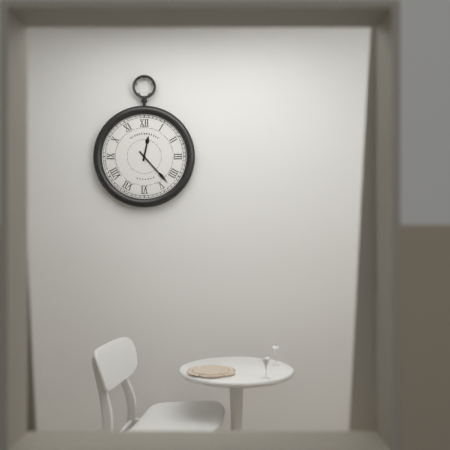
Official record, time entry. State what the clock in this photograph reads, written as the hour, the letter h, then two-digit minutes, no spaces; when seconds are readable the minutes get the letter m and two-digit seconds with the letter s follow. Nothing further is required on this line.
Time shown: 12h23
